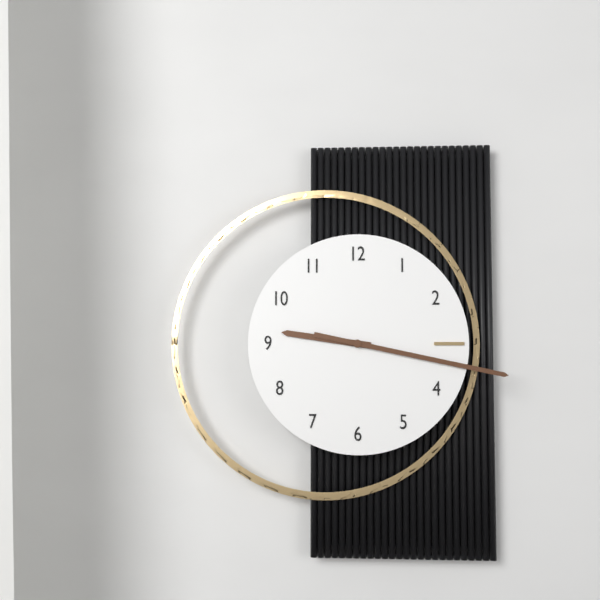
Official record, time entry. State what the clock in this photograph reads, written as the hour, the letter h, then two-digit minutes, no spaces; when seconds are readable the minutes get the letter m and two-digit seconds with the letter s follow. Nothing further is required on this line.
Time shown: 9h17
